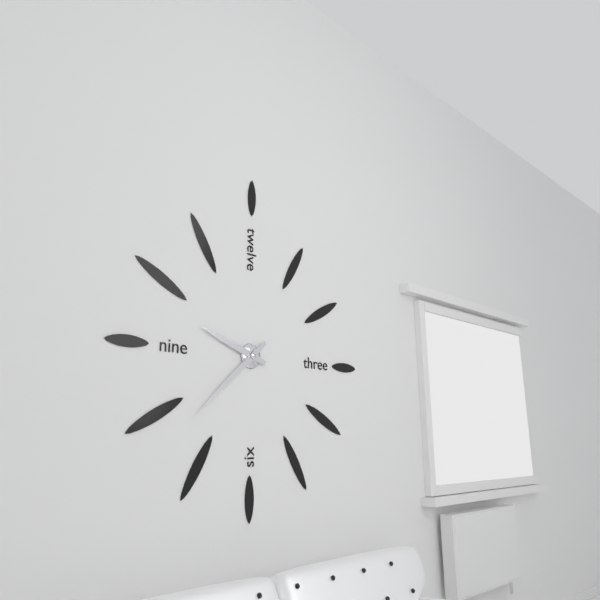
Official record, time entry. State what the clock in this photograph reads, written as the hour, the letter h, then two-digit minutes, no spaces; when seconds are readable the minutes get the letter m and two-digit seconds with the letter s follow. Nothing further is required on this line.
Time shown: 9h38
